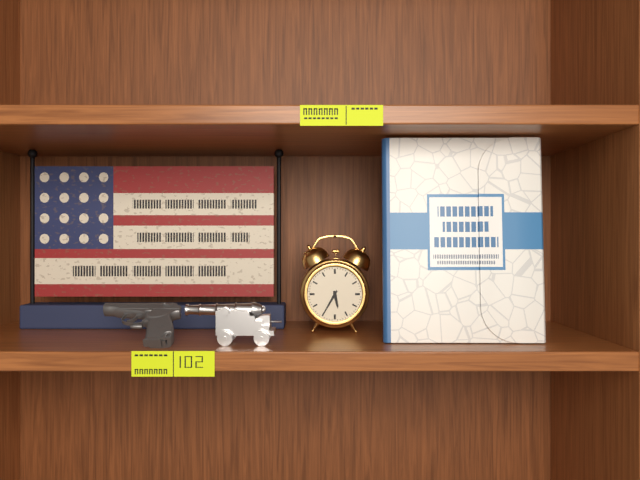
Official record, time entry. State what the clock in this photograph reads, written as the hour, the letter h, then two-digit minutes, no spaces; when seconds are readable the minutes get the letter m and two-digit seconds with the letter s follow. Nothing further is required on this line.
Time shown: 5h35
